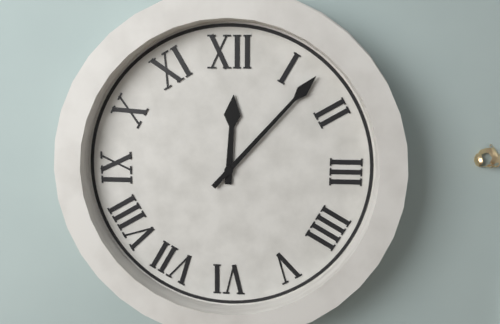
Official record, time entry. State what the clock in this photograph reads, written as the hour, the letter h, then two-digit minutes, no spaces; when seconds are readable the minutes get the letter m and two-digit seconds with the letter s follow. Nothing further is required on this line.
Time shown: 12h07
